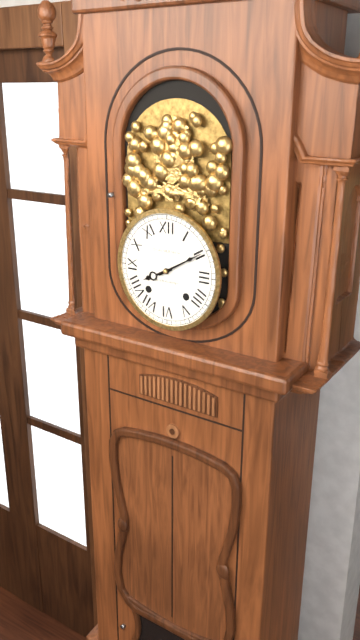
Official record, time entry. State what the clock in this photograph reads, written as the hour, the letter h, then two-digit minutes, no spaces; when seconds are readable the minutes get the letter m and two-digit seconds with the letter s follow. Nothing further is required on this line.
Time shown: 8h10
